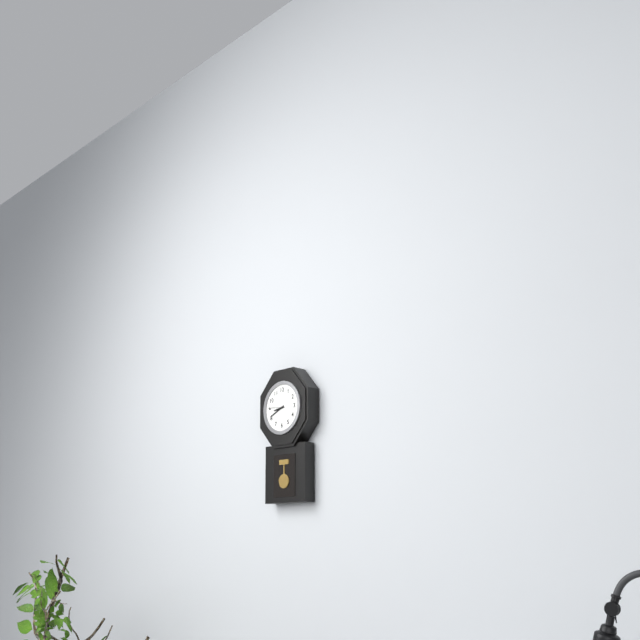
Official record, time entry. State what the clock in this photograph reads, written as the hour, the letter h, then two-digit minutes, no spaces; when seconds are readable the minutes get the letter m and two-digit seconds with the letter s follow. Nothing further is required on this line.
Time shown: 8h41
